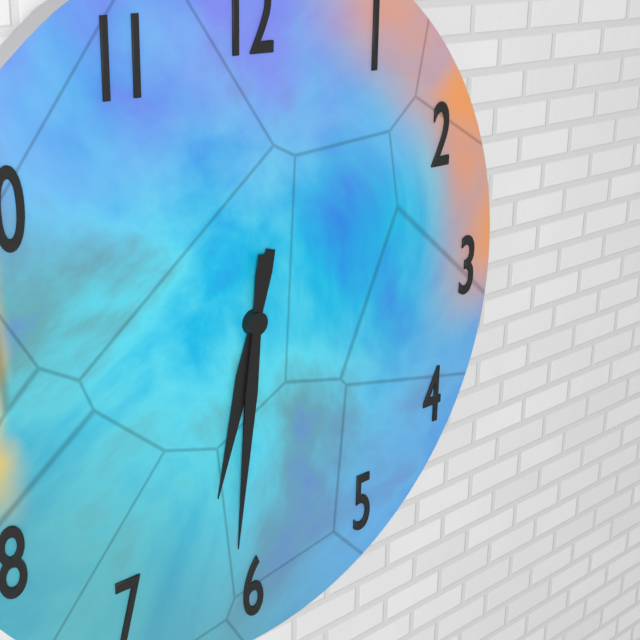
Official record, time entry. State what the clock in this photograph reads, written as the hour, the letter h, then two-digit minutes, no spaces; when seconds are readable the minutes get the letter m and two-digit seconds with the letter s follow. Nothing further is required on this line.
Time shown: 6h31
